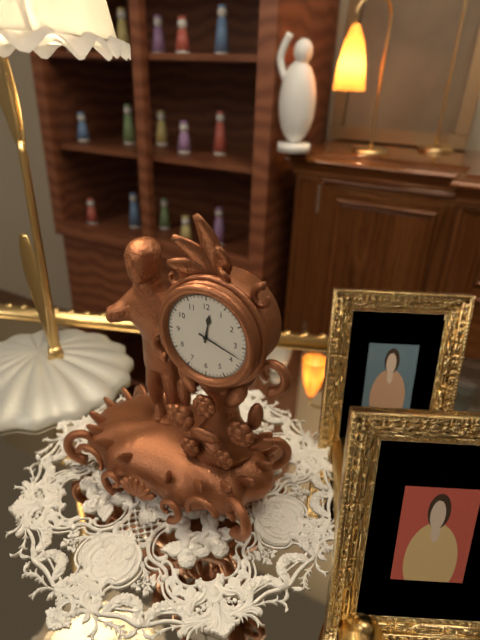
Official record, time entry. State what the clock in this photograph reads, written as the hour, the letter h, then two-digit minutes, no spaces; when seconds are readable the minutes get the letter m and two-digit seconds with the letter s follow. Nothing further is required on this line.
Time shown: 12h18
